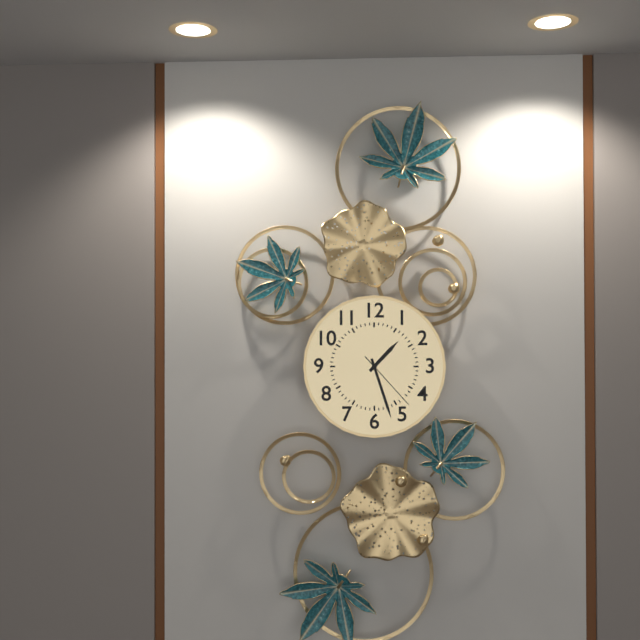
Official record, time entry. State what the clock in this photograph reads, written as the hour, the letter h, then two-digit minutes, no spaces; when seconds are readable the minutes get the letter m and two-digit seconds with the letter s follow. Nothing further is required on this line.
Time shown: 1h27m23s
